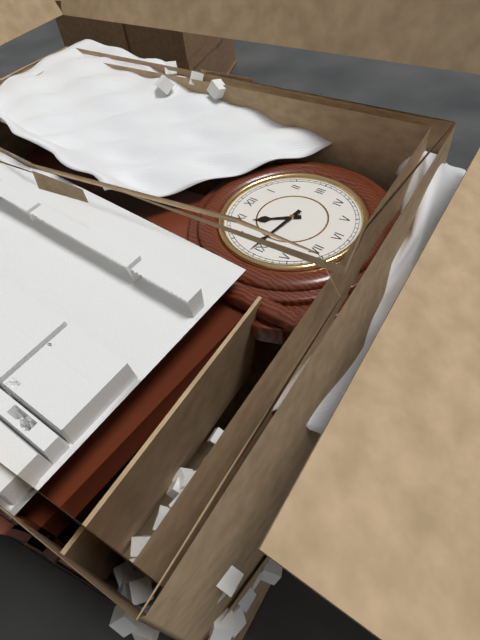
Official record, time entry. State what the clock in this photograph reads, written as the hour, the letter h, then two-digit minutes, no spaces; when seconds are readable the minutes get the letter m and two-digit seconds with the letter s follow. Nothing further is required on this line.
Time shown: 10h46
